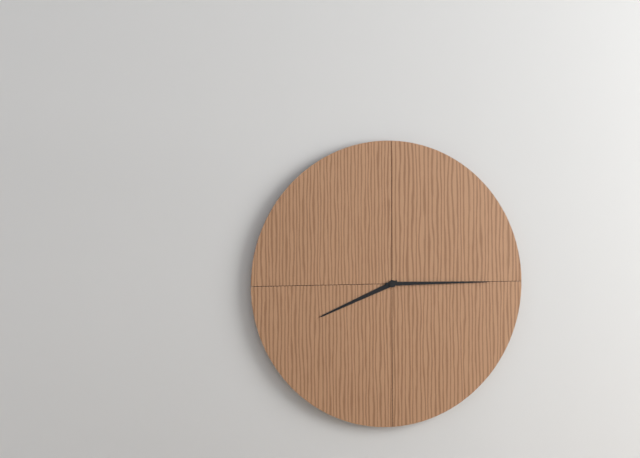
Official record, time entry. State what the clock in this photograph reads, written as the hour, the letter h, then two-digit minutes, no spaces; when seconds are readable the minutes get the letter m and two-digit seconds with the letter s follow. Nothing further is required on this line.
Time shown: 8h15
